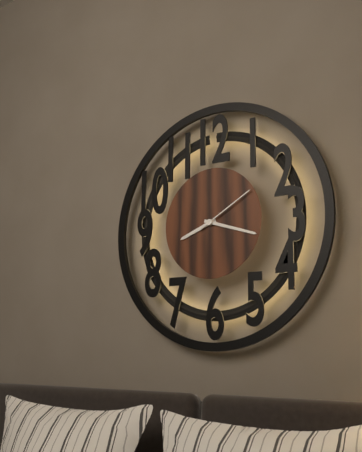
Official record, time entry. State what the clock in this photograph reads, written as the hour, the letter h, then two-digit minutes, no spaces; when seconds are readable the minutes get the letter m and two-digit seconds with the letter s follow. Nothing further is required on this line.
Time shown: 8h18m10s
